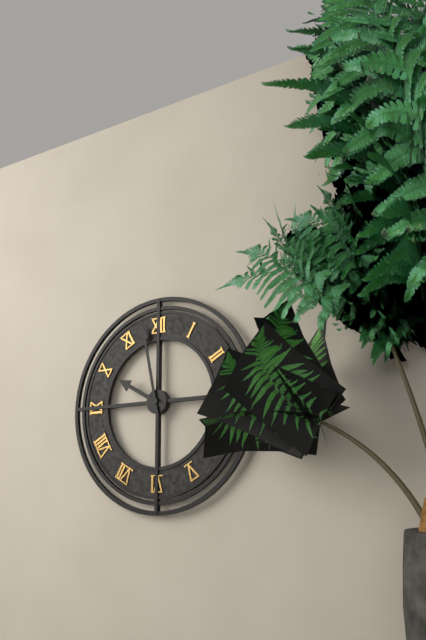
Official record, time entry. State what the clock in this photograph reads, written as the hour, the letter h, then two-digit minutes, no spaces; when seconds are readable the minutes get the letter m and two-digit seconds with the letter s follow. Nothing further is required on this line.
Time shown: 9h58
